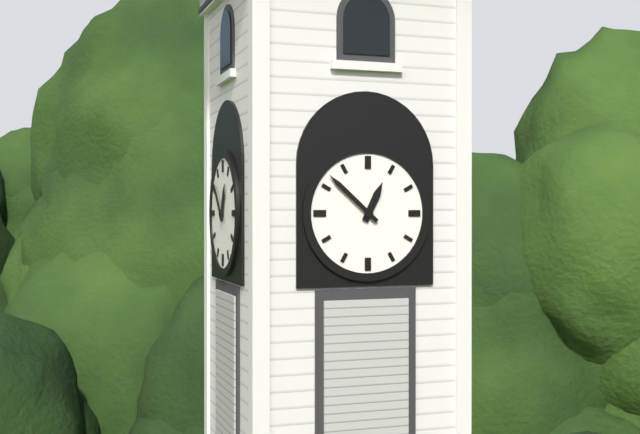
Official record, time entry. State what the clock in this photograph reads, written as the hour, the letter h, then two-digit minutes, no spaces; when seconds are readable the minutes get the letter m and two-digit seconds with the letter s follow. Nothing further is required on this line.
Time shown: 12h52
